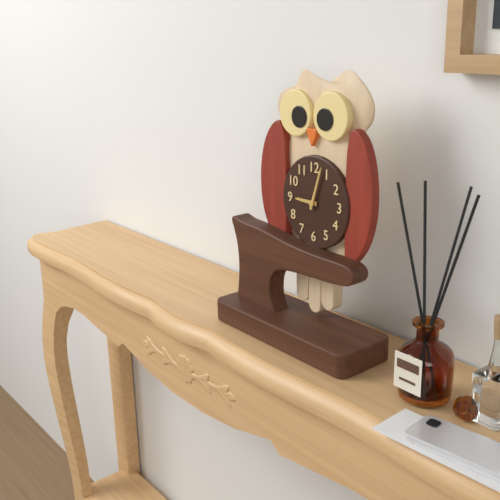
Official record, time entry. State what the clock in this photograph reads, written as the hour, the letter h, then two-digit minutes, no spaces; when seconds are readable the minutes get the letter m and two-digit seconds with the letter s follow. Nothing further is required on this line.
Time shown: 9h03
